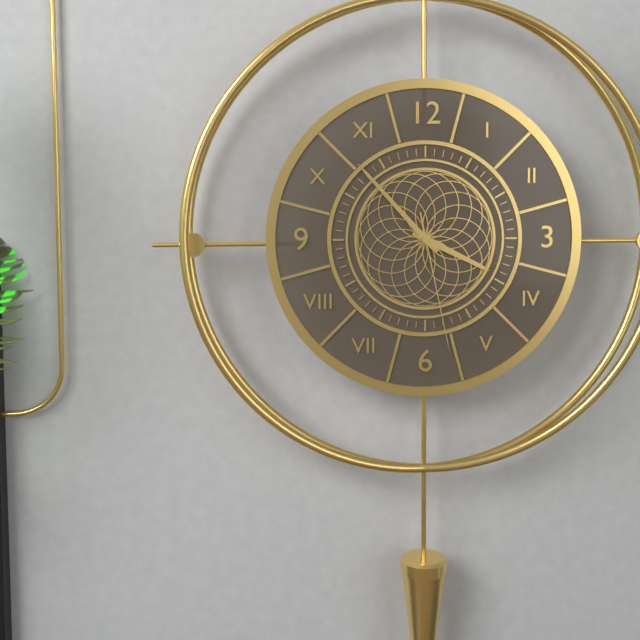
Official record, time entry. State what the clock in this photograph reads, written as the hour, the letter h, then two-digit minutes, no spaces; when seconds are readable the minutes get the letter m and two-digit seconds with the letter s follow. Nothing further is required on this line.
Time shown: 3h53m28s
